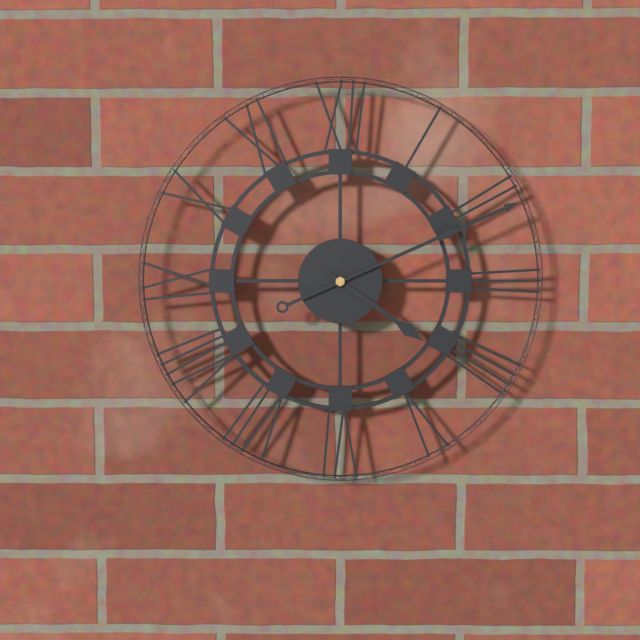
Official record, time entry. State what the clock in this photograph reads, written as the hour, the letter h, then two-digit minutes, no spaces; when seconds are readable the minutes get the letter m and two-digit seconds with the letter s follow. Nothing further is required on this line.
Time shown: 4h11
